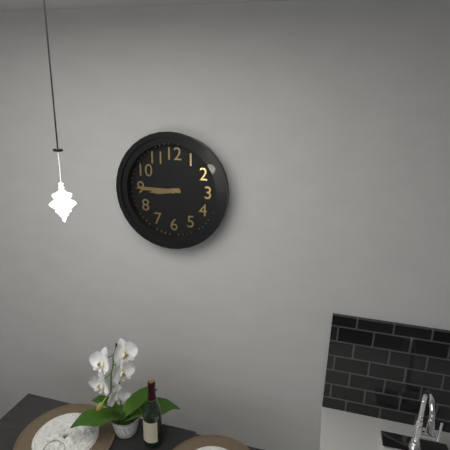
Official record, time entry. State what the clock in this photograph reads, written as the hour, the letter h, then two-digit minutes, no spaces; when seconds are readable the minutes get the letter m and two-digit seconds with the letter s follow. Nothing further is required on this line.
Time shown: 8h45
